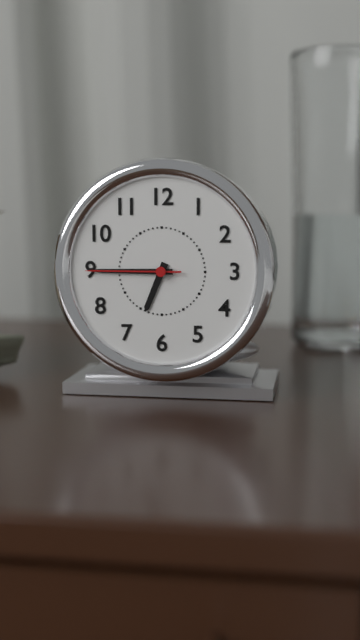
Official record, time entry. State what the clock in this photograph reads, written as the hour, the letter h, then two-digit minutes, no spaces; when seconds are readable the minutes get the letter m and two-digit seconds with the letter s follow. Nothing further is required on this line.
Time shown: 6h45m45s
